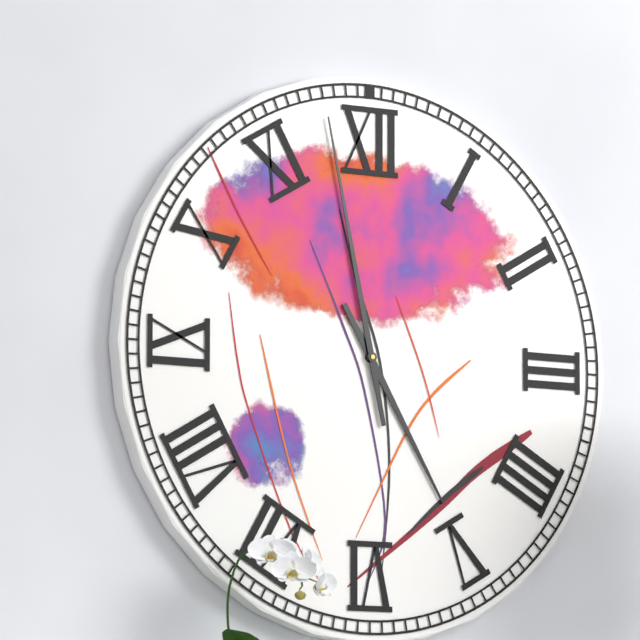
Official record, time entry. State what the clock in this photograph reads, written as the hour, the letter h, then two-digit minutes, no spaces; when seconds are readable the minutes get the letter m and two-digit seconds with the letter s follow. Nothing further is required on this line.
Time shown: 4h58
